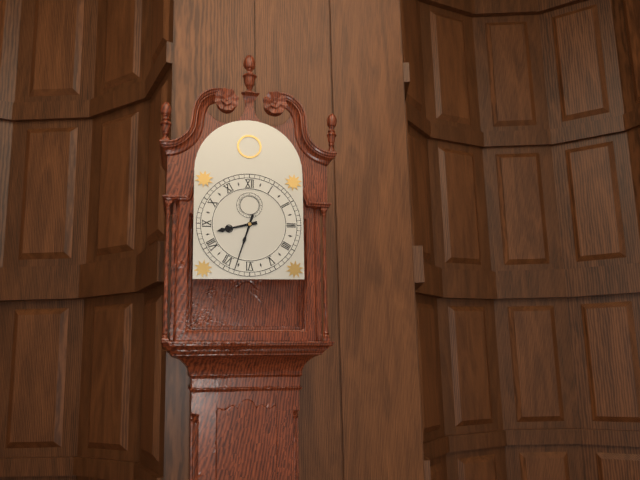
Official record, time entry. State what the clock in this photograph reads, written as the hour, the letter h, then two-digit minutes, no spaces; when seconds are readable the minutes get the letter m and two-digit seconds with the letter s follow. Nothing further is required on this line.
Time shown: 8h33
